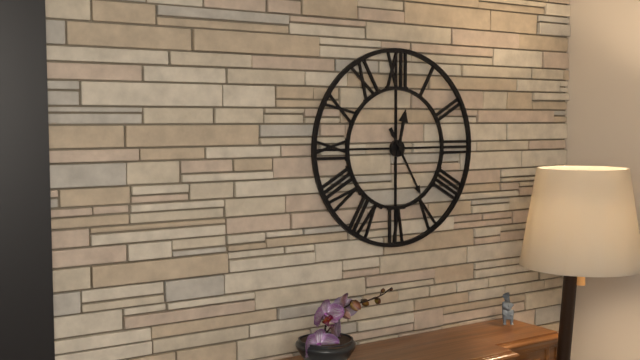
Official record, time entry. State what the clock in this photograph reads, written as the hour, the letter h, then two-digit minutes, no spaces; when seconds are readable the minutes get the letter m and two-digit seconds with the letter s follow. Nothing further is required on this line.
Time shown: 12h25
